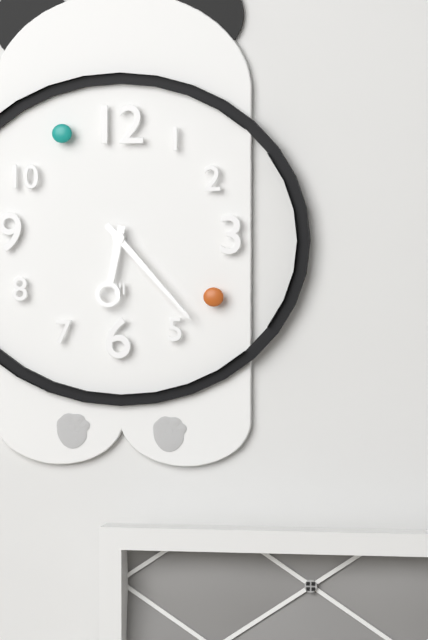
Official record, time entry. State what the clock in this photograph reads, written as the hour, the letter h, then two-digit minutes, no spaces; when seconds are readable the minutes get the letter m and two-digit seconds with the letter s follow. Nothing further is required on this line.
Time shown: 6h23
